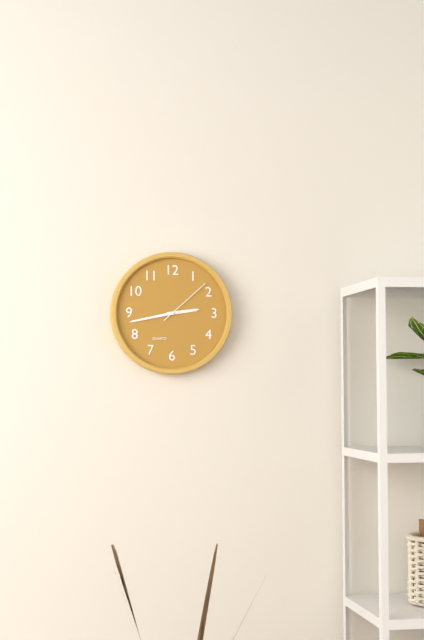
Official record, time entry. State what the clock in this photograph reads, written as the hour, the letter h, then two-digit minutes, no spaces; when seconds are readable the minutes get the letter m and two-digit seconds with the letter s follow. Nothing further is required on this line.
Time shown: 2h43m08s
